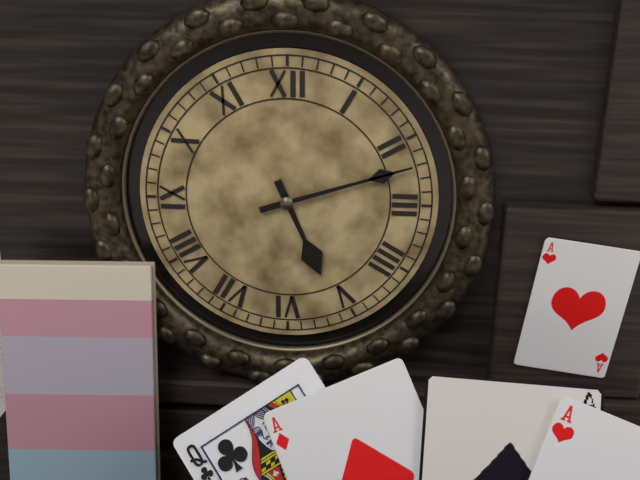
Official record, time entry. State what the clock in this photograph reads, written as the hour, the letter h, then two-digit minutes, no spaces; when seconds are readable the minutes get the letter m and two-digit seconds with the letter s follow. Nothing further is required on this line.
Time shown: 5h12
